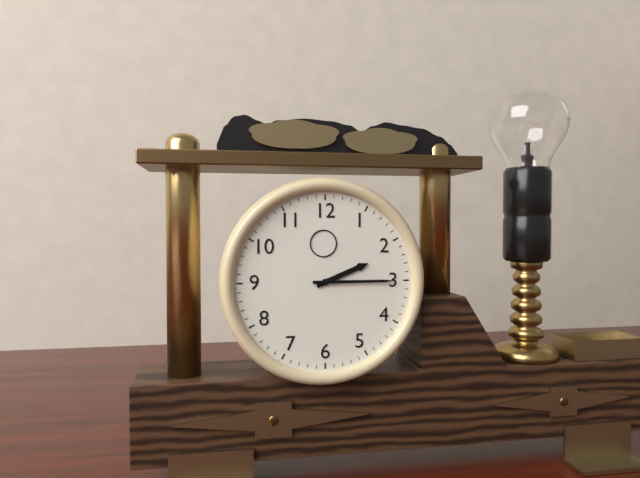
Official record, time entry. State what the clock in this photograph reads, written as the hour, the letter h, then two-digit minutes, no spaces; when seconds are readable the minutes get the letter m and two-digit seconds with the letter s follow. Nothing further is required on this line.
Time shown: 2h15
